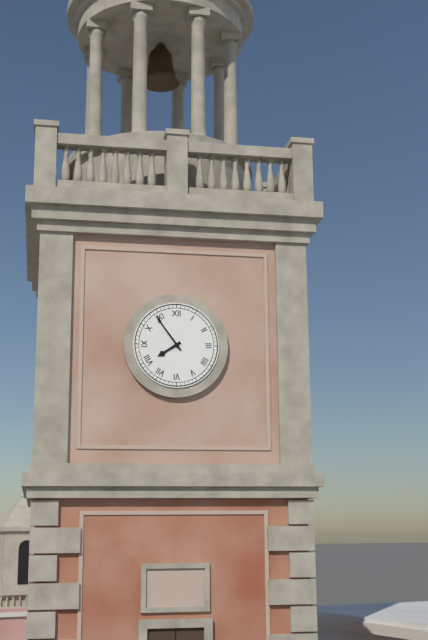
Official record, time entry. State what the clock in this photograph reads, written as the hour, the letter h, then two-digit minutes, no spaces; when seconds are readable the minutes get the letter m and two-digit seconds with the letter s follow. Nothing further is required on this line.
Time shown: 7h54
